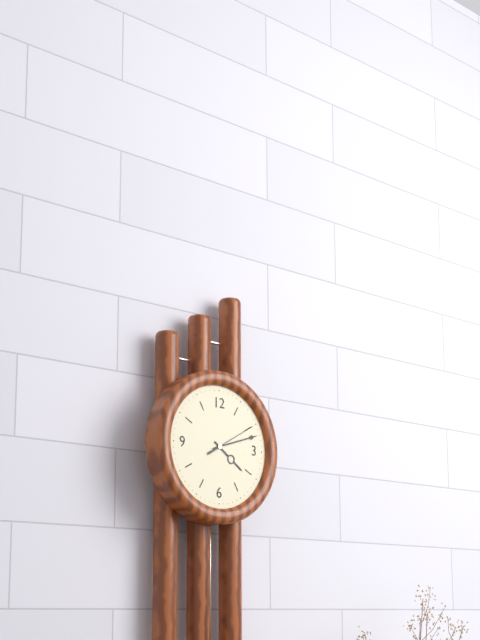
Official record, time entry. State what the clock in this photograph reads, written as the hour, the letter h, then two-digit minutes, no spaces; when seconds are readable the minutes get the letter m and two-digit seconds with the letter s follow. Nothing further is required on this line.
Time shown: 4h12
